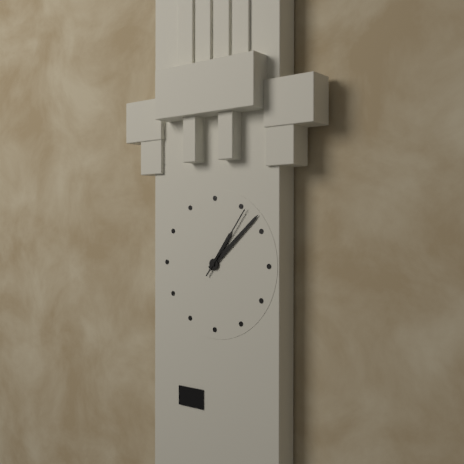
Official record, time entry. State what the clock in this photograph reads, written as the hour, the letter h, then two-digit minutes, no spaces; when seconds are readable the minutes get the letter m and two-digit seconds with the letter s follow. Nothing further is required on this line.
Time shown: 1h08m06s
